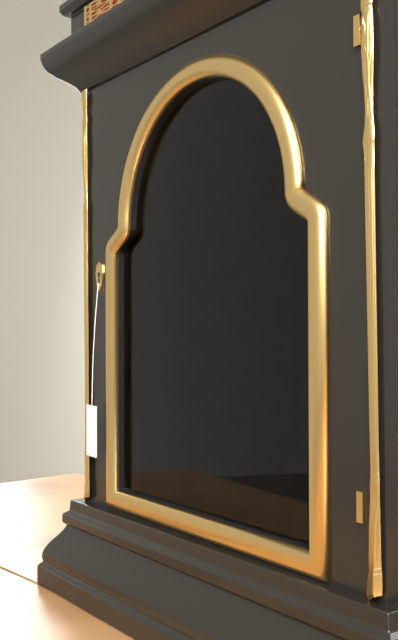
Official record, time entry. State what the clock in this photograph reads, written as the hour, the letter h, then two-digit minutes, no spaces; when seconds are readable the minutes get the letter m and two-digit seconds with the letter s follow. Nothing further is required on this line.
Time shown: 2h55
